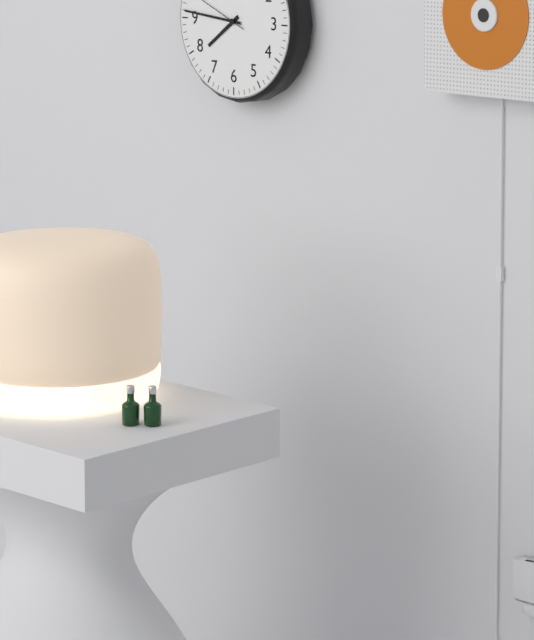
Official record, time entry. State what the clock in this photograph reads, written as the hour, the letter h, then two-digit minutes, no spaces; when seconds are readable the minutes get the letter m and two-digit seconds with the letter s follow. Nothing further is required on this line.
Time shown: 7h46
